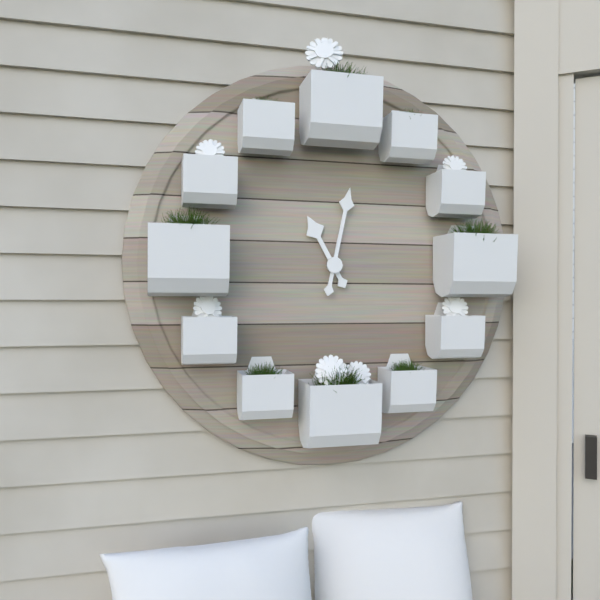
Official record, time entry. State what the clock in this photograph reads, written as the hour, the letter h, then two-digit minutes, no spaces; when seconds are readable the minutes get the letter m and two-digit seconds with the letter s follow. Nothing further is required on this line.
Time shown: 11h02
